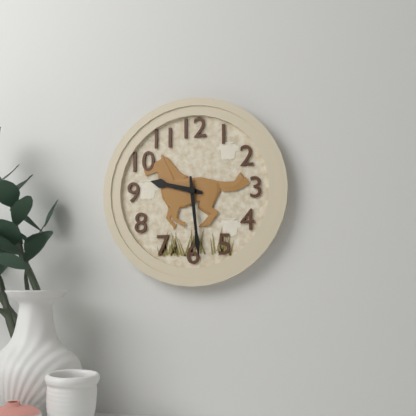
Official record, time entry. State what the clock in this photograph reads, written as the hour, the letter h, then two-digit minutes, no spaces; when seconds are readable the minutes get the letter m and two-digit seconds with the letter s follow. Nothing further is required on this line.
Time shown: 9h29
